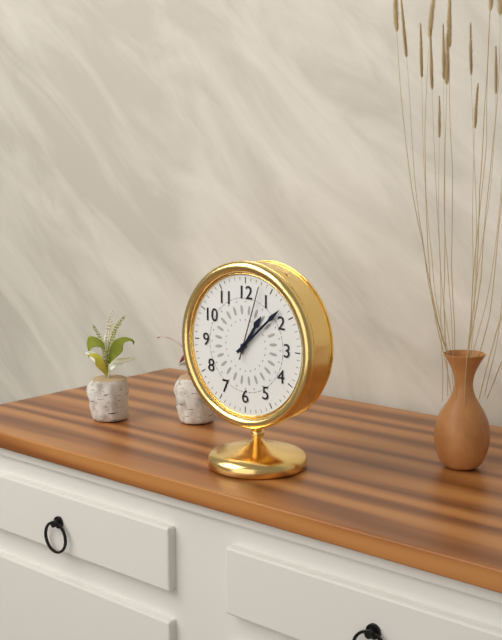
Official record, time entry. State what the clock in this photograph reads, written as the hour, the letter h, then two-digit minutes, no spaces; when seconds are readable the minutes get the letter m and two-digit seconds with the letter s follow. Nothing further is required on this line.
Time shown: 1h08m03s
